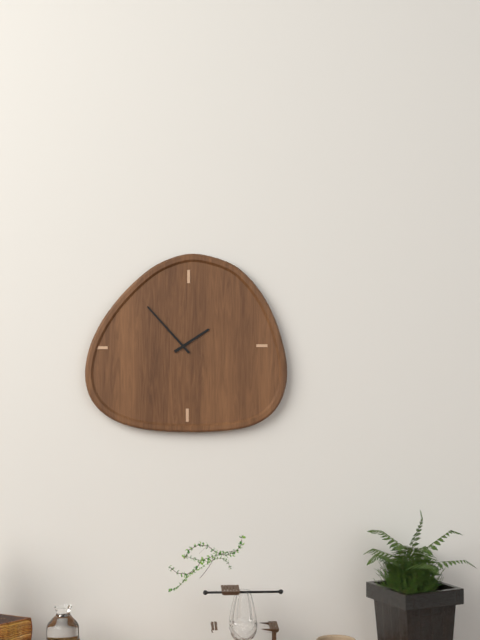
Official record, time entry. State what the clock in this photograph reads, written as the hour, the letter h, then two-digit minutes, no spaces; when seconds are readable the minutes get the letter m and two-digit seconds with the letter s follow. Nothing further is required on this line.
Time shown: 1h53
